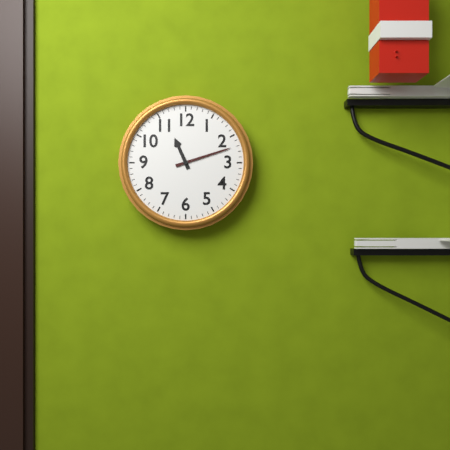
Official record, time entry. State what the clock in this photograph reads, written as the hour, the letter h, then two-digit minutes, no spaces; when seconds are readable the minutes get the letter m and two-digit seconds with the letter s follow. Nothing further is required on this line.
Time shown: 11h12
